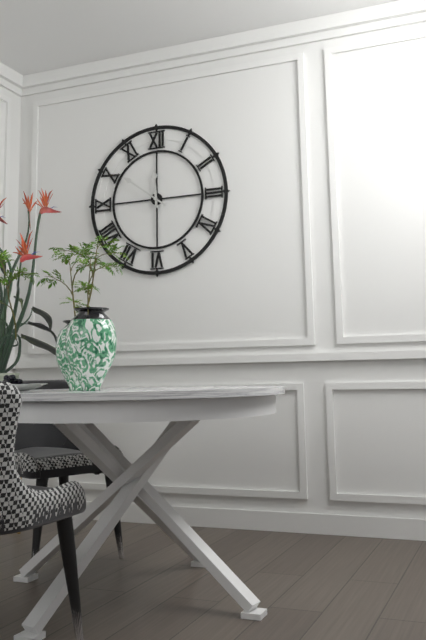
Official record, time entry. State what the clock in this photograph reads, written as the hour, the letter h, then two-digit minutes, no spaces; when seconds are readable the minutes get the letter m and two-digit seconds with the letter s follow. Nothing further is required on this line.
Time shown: 11h51
